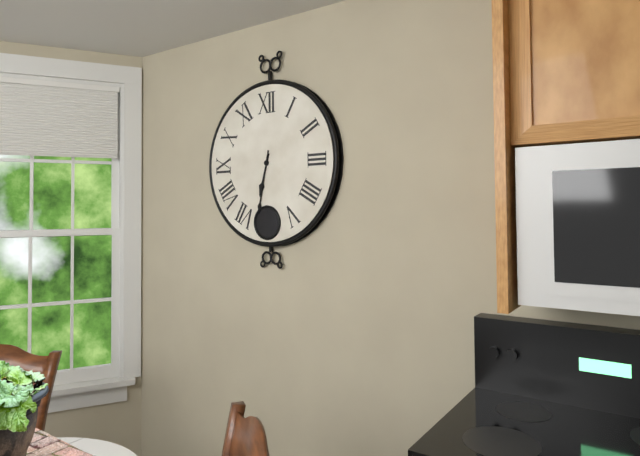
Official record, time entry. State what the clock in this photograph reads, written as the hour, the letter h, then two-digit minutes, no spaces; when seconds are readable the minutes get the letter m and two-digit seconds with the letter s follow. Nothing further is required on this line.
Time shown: 6h32
